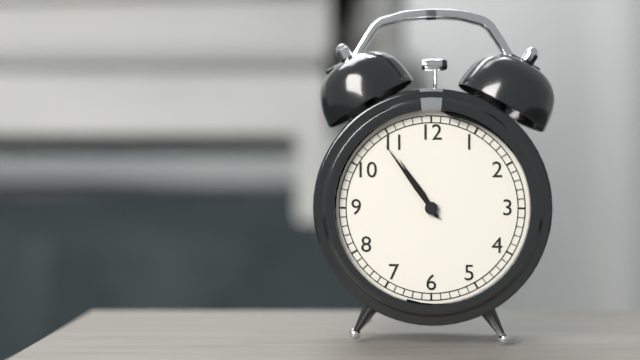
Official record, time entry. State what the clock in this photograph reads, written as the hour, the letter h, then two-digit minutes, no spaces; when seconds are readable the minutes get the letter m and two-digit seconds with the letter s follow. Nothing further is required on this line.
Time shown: 10h54
